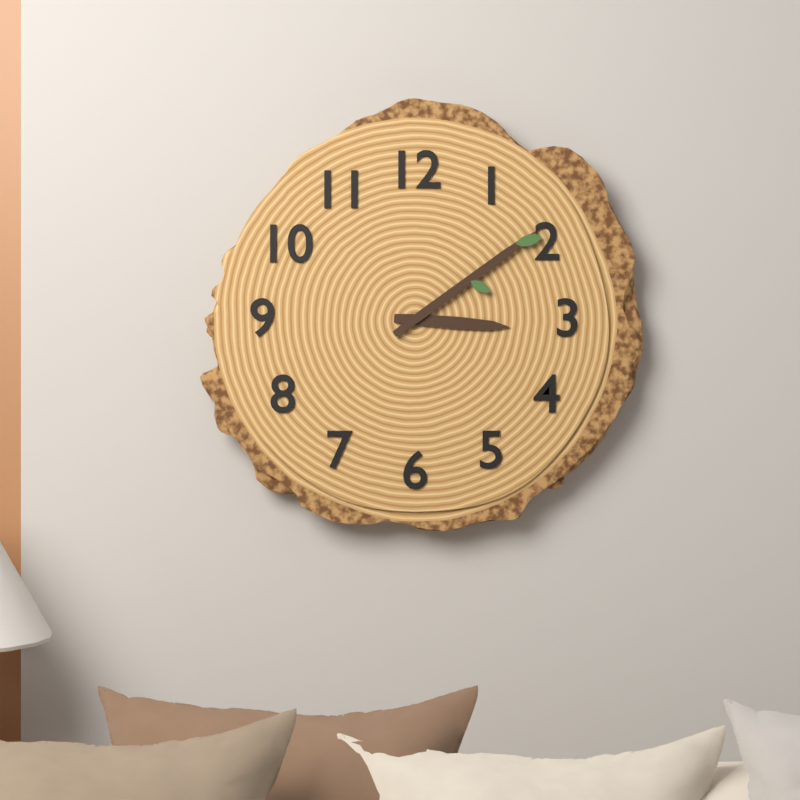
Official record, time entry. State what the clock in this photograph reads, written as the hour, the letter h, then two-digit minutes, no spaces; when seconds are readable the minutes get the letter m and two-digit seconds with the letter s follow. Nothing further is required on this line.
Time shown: 3h09
